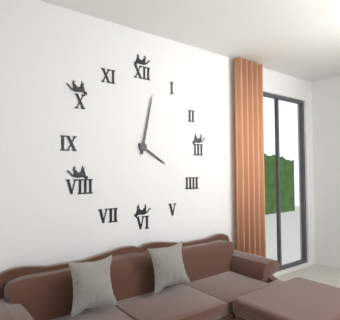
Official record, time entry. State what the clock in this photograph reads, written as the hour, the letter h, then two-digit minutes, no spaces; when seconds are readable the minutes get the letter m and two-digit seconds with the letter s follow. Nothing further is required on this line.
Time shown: 4h02
